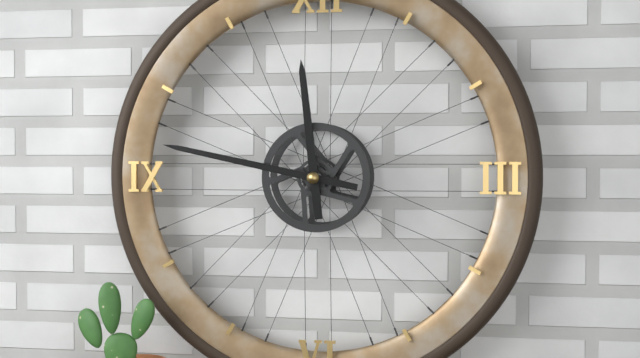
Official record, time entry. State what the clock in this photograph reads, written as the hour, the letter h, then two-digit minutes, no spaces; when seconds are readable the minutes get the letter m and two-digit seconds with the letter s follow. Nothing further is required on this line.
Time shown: 11h47
